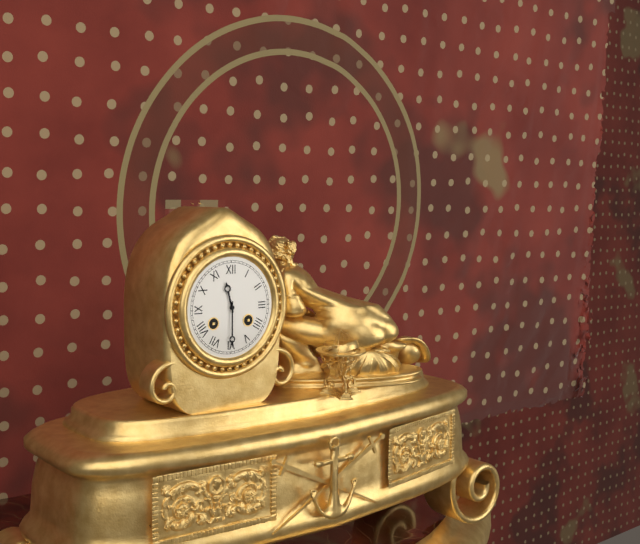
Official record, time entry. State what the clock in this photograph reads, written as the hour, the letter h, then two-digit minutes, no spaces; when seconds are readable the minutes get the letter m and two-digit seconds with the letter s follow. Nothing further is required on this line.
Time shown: 11h30
